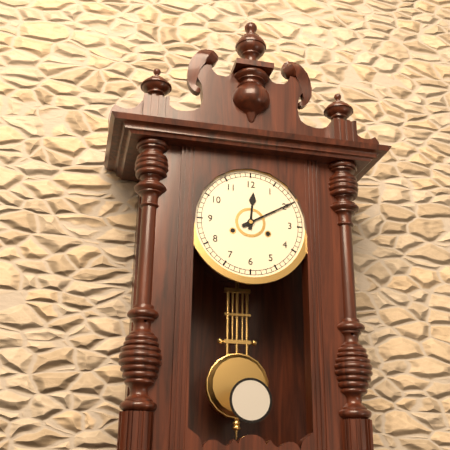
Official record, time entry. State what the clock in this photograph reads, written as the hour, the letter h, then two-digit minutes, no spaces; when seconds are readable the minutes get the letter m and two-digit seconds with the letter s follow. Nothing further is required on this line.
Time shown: 12h10
